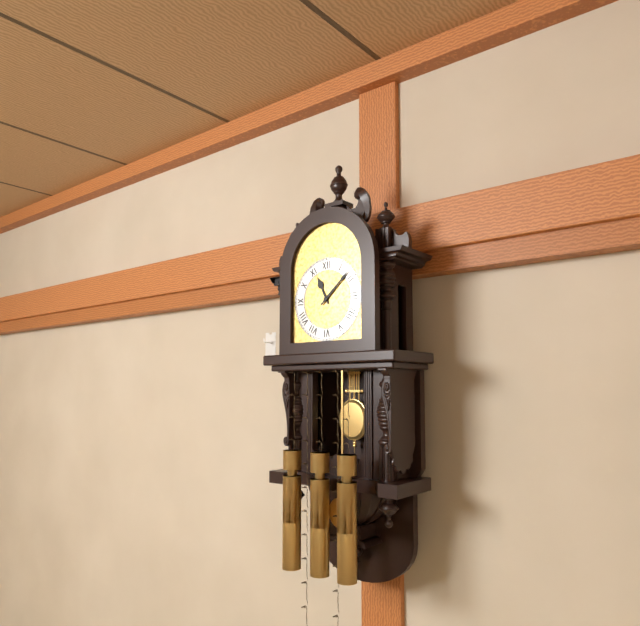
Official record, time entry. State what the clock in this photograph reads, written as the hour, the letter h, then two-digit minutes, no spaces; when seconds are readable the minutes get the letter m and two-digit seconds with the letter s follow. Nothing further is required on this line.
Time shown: 11h08
